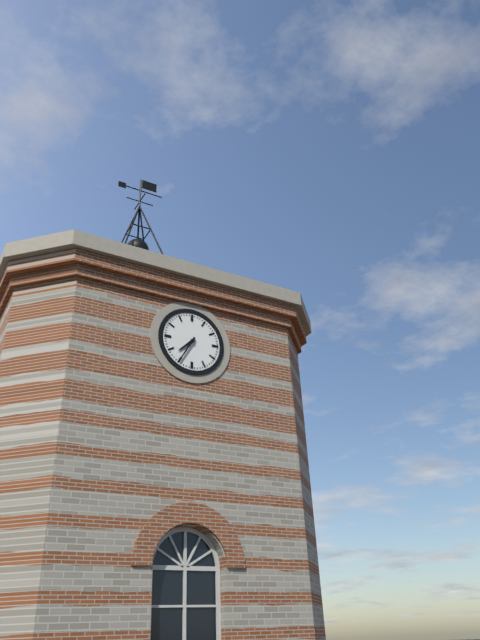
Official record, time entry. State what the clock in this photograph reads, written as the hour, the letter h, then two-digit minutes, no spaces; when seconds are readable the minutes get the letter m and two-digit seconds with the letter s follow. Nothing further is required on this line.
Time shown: 7h35
